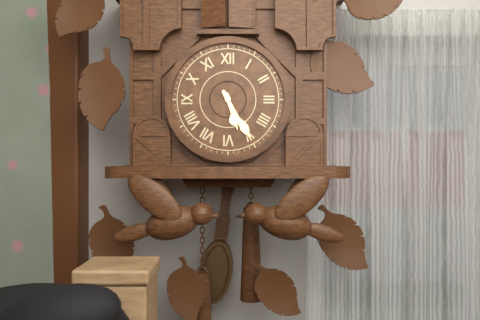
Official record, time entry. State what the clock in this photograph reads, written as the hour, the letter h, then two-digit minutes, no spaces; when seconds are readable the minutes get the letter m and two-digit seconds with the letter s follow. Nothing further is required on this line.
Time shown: 5h25
